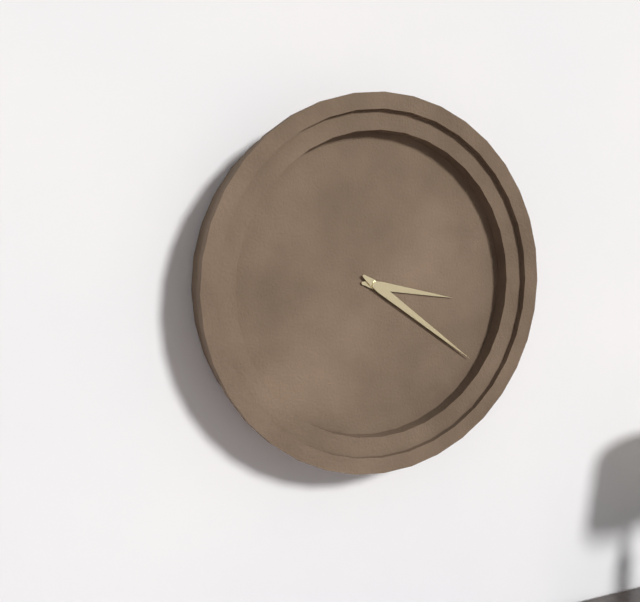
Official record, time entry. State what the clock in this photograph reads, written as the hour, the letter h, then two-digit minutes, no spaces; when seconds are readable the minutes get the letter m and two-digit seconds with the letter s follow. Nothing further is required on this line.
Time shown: 3h21
